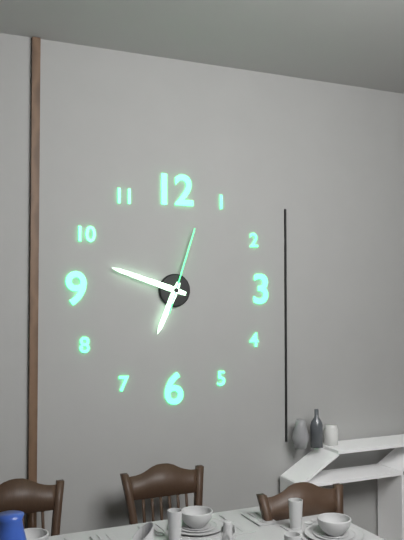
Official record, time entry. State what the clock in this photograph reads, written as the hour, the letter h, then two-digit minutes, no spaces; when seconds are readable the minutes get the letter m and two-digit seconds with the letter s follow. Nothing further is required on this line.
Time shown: 6h48m03s
